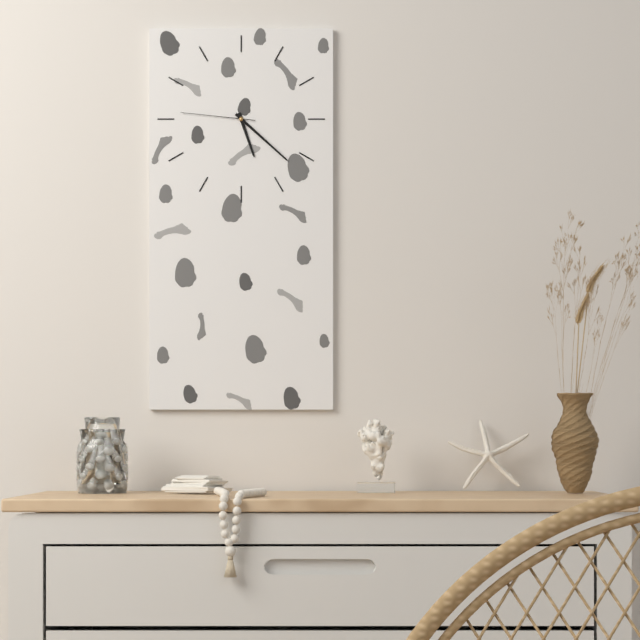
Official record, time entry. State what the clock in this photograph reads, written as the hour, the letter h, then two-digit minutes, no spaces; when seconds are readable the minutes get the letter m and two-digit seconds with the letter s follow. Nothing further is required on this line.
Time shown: 5h22m46s
